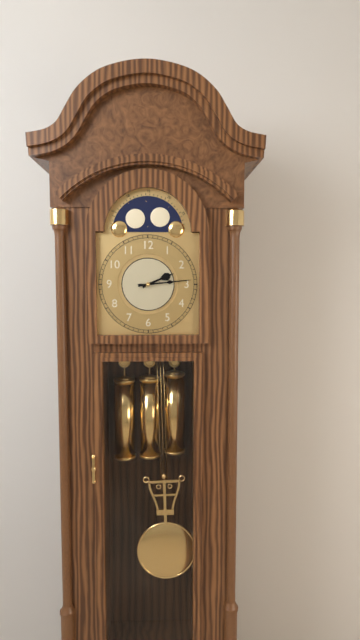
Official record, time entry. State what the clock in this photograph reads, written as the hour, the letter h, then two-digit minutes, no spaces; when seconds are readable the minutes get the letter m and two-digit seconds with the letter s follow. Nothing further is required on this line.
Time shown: 2h14
